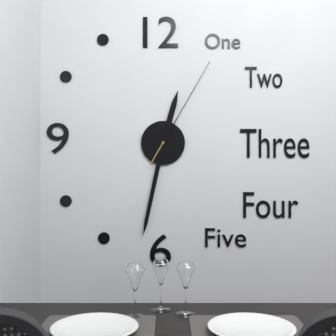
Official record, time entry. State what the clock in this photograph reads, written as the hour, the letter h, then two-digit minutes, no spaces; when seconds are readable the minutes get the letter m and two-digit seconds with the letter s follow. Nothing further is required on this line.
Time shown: 12h32m05s
